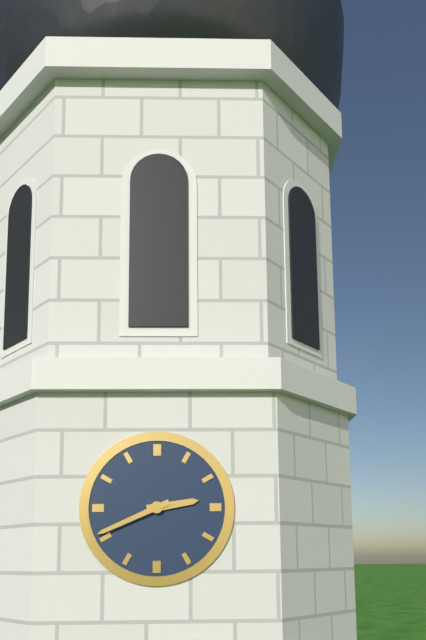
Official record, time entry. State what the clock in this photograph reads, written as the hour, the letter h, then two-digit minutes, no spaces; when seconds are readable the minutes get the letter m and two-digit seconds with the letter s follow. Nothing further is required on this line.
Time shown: 2h41
